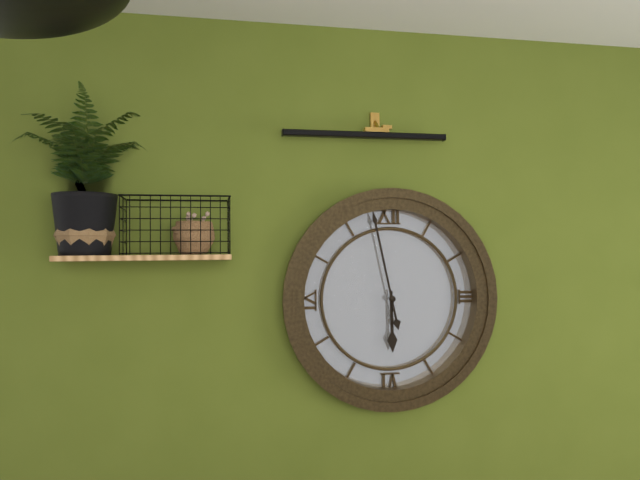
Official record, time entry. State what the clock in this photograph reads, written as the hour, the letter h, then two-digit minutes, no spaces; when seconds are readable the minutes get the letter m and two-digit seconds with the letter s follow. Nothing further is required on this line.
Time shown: 5h58
